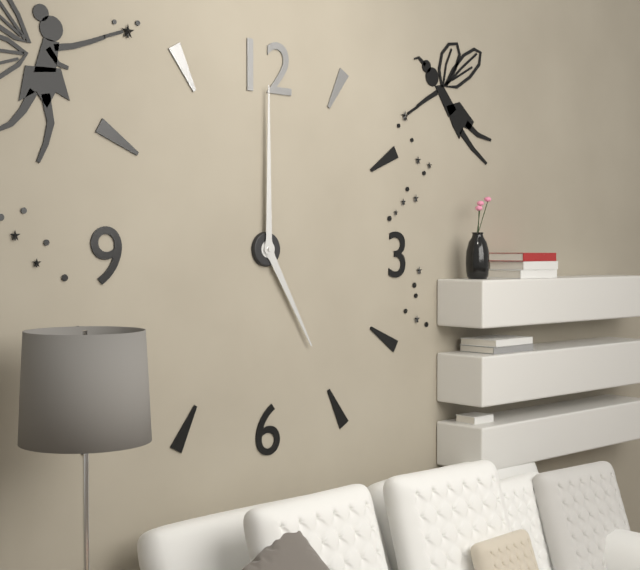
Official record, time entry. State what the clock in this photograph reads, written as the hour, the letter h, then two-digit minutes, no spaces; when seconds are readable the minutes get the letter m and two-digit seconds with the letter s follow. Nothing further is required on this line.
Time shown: 5h00
